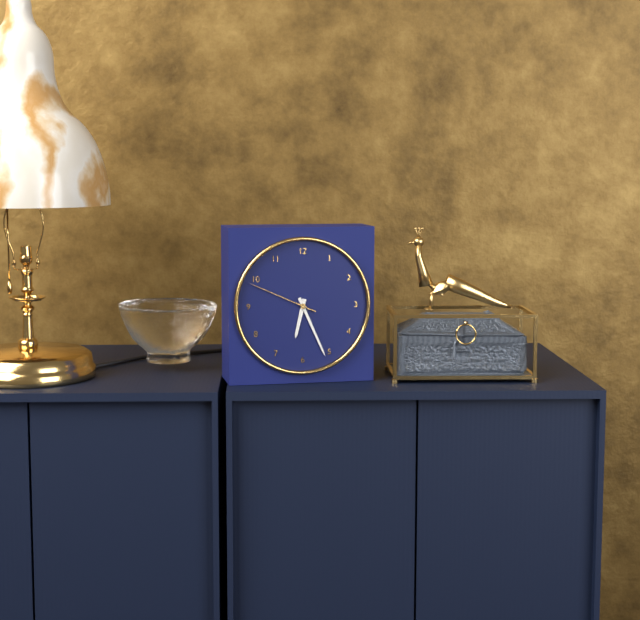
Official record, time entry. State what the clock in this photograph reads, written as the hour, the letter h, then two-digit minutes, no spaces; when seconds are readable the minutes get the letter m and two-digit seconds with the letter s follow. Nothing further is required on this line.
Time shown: 6h26m49s
